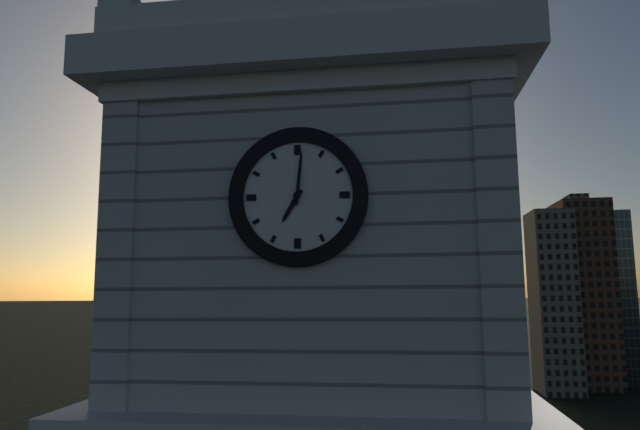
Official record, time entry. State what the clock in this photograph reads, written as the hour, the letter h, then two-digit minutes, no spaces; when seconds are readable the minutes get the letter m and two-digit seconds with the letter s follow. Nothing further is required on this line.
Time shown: 7h01
